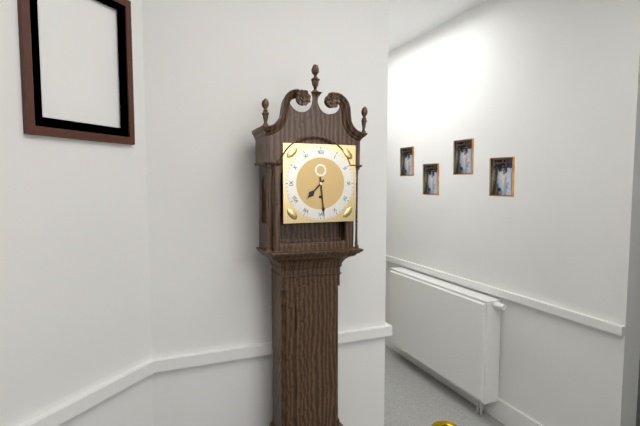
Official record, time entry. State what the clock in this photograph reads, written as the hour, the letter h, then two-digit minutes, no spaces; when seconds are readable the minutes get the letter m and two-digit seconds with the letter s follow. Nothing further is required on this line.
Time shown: 7h29
